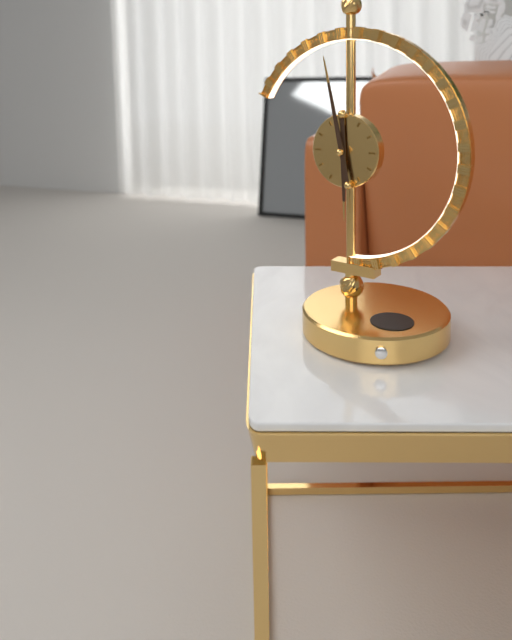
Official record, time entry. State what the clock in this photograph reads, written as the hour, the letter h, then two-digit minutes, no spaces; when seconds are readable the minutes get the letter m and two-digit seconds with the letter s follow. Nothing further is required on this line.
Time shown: 5h58
